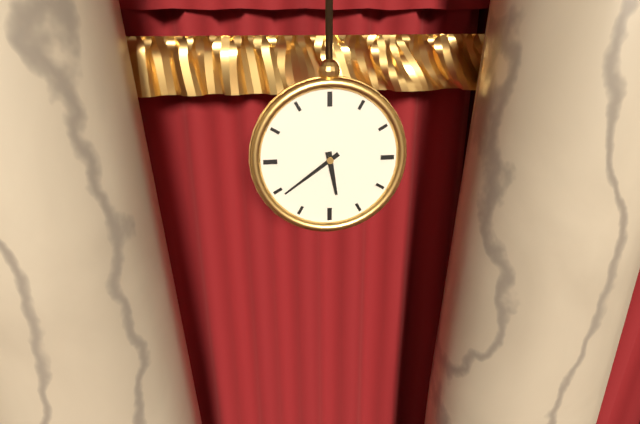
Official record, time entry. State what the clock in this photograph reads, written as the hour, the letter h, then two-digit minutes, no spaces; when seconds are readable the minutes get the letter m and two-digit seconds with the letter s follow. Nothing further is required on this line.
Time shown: 5h39
